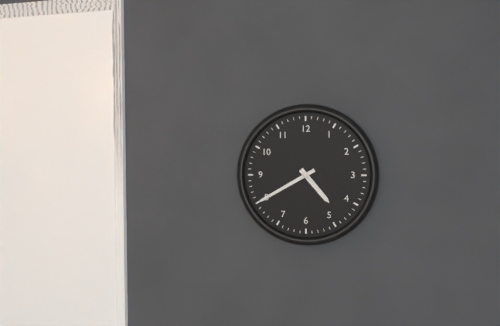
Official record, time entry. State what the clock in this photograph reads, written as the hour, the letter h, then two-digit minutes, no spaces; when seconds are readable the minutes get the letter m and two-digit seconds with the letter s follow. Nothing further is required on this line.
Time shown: 4h40
